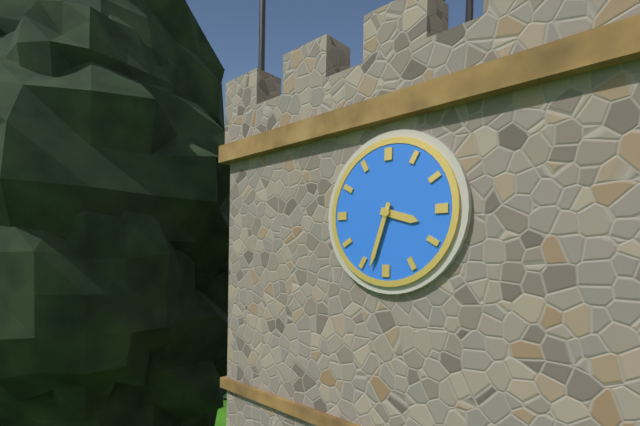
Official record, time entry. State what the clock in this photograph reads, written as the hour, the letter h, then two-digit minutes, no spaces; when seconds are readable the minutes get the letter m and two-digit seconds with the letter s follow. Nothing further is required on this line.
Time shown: 3h33
